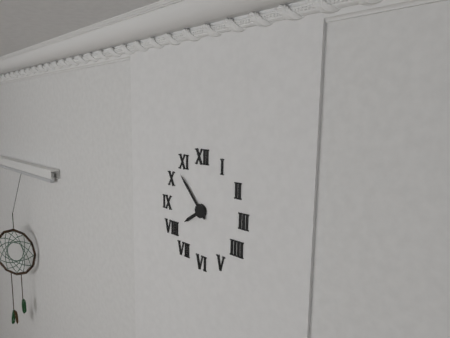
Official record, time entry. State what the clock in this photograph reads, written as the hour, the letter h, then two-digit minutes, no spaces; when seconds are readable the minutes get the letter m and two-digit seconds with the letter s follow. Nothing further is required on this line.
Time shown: 7h53
